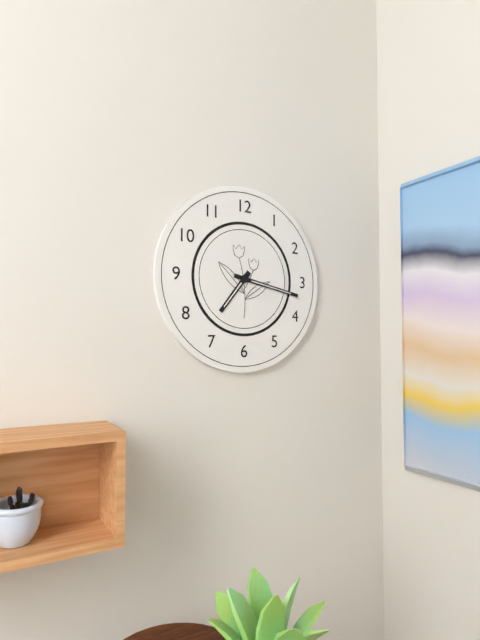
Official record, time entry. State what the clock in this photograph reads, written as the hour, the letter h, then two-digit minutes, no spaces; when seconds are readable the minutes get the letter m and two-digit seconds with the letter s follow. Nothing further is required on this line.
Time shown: 7h17
